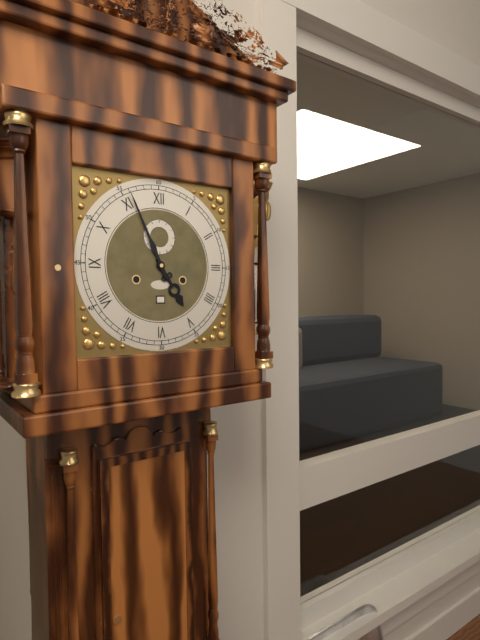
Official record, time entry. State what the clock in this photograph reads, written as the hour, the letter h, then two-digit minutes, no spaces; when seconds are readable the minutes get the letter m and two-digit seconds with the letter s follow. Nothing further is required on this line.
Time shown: 4h56
